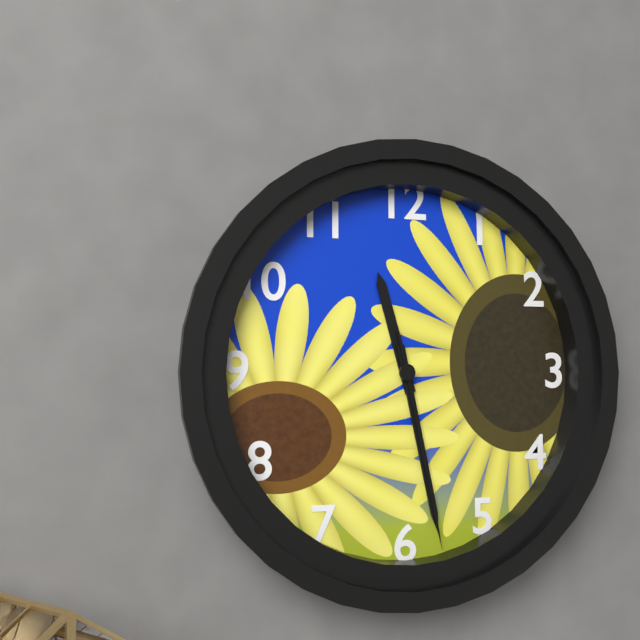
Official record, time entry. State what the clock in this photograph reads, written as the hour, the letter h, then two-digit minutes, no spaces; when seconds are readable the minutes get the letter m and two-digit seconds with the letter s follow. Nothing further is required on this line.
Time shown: 11h28m28s
